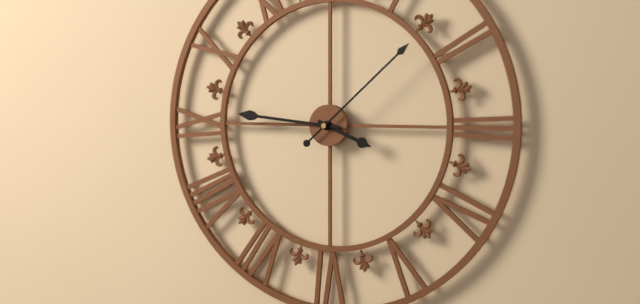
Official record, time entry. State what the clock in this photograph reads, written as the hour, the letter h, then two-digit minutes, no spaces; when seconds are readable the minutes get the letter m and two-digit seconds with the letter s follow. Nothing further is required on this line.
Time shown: 3h46m08s
